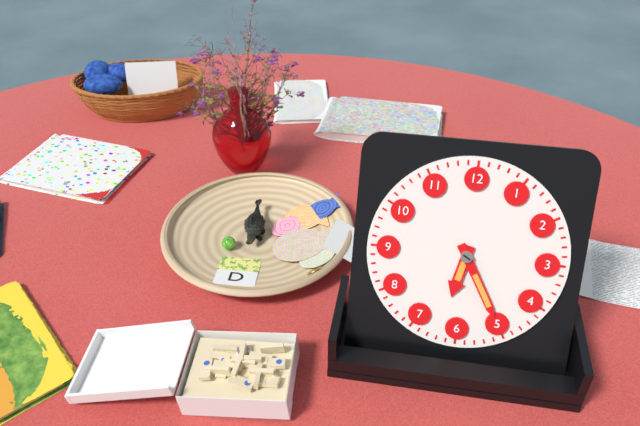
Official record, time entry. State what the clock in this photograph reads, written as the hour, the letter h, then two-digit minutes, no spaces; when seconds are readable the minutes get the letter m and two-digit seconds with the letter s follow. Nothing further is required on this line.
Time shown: 6h25
